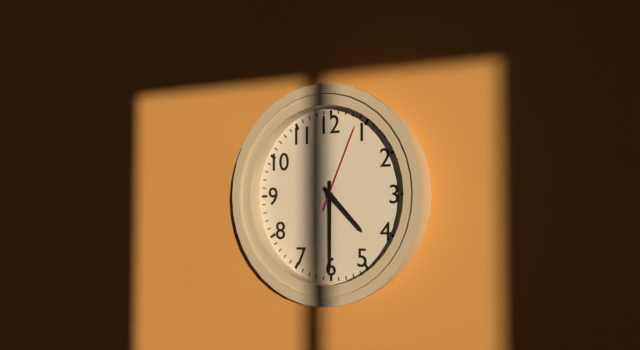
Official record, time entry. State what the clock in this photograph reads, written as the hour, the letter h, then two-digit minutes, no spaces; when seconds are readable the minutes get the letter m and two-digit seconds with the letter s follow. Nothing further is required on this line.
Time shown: 4h30m04s
